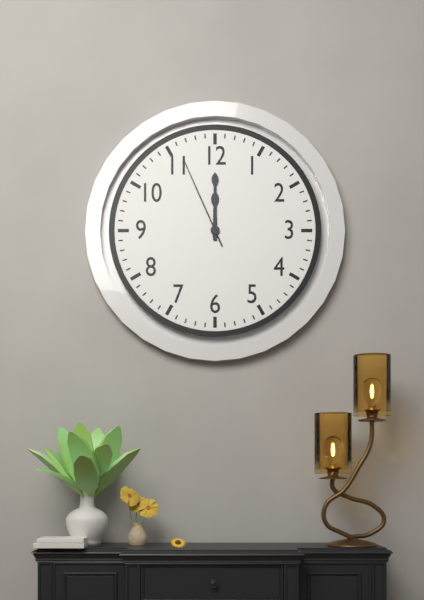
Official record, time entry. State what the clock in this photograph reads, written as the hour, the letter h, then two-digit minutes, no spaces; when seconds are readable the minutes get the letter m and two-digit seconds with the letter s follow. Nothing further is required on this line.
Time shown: 12h00m56s
